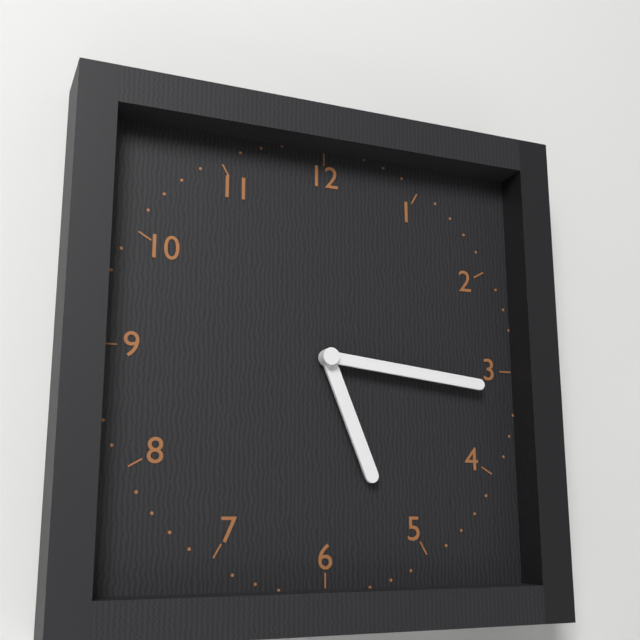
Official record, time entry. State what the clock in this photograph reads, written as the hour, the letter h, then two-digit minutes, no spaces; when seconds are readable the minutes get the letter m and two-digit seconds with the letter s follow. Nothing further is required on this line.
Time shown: 5h16
